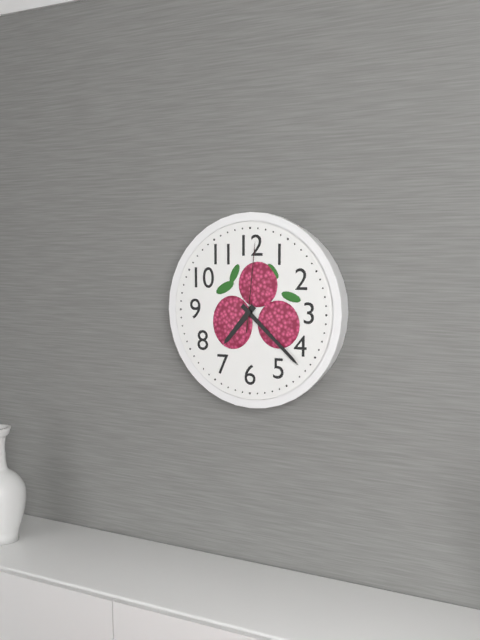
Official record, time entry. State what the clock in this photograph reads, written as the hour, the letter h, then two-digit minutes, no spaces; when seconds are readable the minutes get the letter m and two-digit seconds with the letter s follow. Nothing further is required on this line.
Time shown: 7h22m01s
